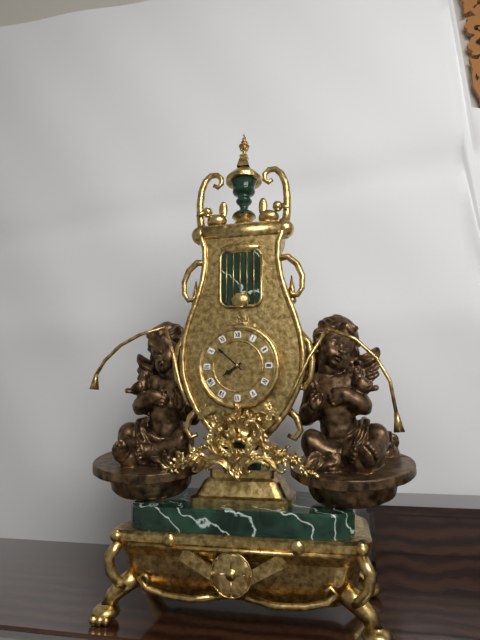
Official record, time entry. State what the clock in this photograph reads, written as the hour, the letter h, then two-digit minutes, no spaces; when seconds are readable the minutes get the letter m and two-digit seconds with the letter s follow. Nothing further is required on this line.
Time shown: 7h52
